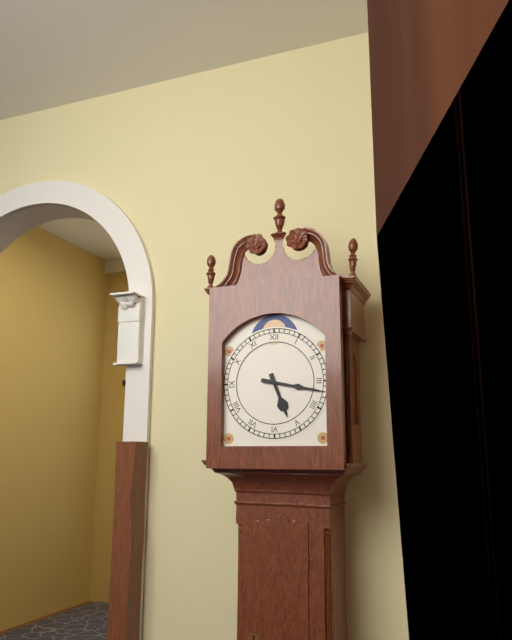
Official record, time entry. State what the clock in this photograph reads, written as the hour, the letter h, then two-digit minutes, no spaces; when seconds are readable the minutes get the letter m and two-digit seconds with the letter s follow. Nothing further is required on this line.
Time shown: 5h17
